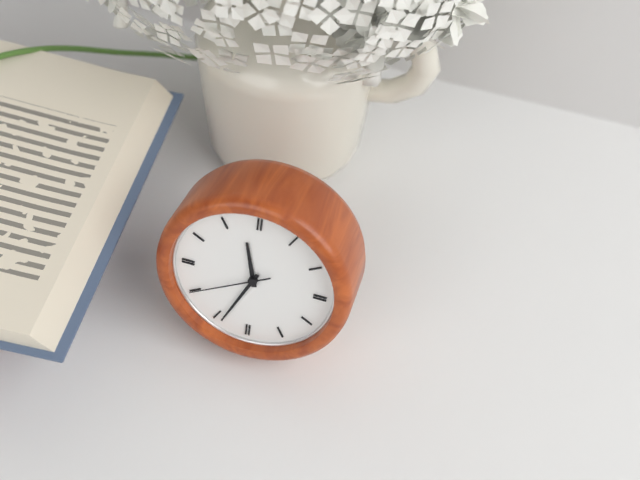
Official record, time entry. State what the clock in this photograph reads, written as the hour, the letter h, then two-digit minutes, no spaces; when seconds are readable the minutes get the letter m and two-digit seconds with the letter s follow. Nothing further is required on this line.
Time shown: 11h34m40s
